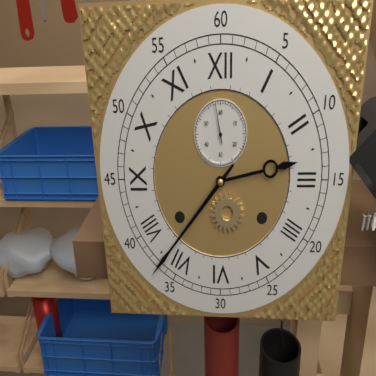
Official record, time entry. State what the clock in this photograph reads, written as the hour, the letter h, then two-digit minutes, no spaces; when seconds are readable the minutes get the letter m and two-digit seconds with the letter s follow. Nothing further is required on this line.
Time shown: 2h37
